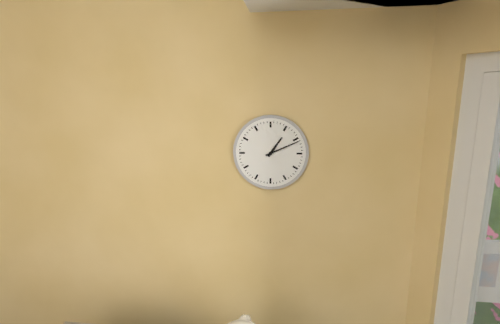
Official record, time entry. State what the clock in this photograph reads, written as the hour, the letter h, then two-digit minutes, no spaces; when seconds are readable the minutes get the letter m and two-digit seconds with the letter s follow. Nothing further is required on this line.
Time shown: 1h11
